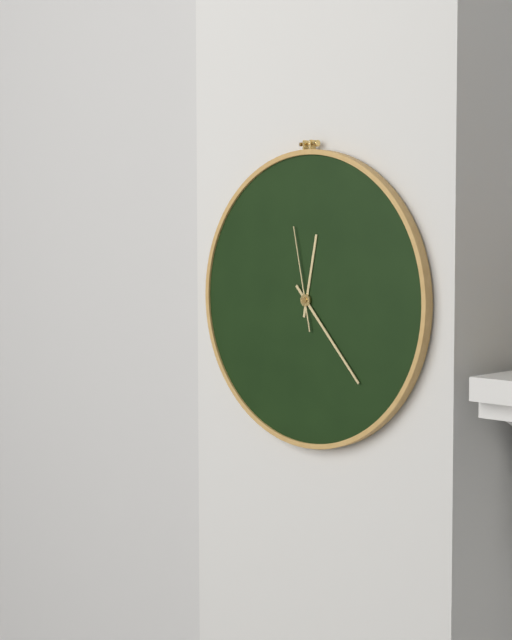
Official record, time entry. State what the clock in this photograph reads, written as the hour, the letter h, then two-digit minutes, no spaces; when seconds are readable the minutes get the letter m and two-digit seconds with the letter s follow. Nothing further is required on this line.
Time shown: 12h23m58s
